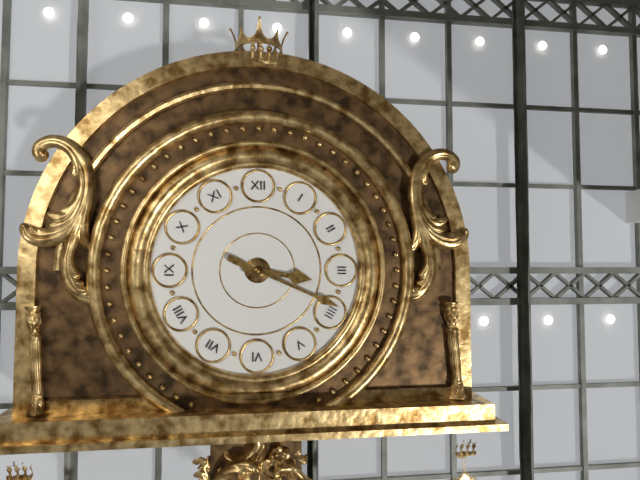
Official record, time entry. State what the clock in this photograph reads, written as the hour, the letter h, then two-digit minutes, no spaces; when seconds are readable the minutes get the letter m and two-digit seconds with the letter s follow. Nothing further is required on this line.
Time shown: 3h19
